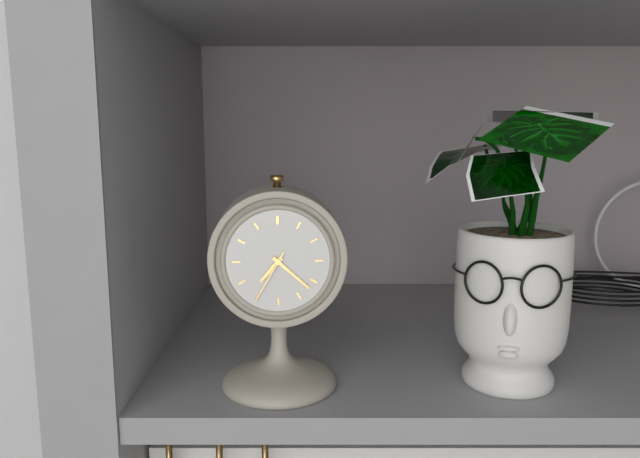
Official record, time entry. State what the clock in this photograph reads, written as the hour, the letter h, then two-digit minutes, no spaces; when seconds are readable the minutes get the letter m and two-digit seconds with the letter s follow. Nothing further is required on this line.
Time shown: 7h22m35s
